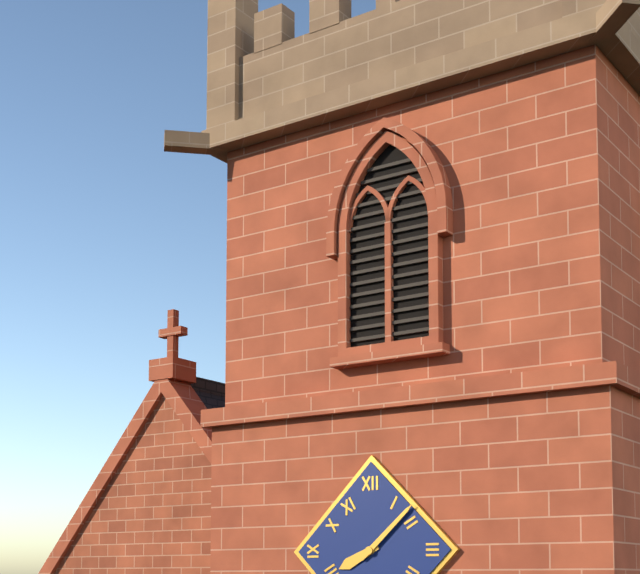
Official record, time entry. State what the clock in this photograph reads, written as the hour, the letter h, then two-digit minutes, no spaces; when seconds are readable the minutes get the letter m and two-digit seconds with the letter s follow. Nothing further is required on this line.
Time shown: 8h08
